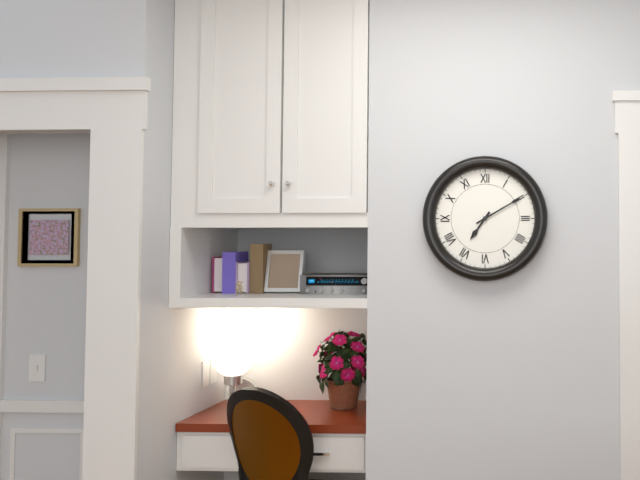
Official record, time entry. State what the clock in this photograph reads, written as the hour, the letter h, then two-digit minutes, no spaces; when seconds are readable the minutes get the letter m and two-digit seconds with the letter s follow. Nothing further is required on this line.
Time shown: 7h10
